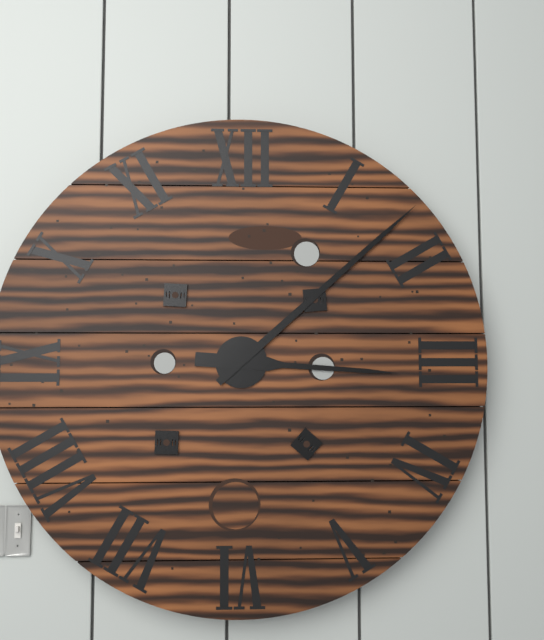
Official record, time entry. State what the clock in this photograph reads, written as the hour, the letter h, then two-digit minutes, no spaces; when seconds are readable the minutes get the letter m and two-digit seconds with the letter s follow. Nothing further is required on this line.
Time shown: 3h08
